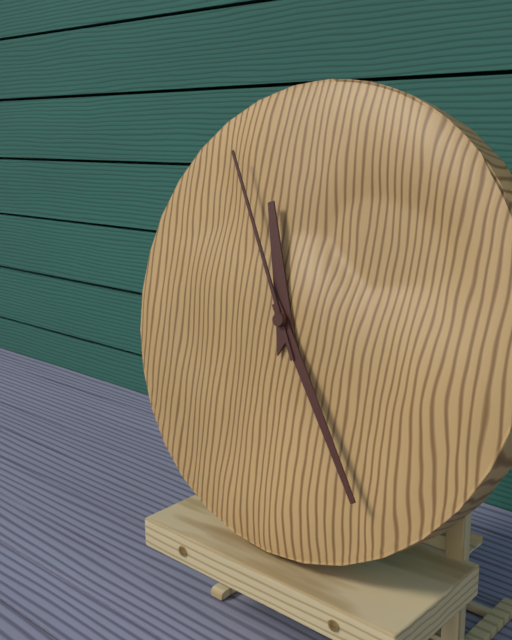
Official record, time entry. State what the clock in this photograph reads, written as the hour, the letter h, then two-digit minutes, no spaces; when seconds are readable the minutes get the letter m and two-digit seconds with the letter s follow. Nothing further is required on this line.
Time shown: 11h24m55s
